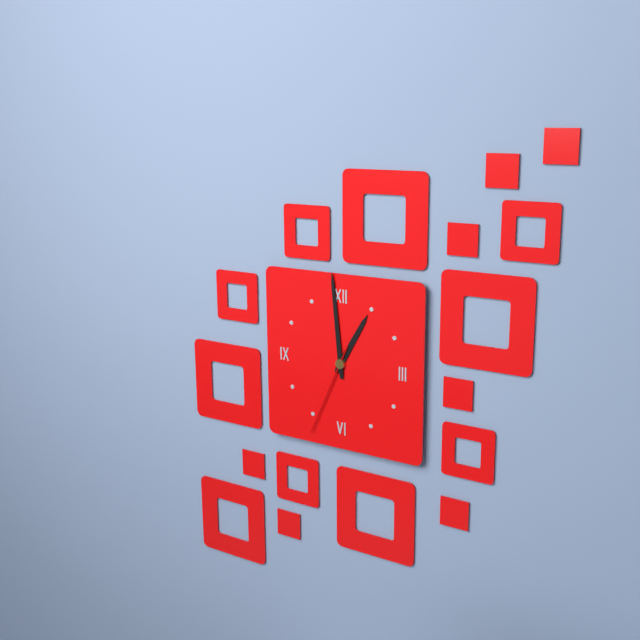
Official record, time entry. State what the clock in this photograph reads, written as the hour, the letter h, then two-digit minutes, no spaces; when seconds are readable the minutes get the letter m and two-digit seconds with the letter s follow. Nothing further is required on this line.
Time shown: 12h59m34s
